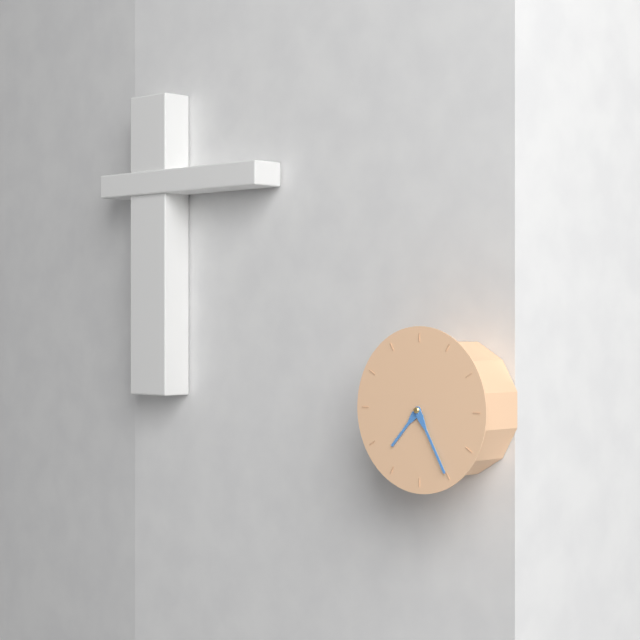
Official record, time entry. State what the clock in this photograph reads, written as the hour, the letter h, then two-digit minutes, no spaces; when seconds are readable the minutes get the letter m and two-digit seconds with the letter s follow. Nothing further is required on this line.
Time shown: 7h25
